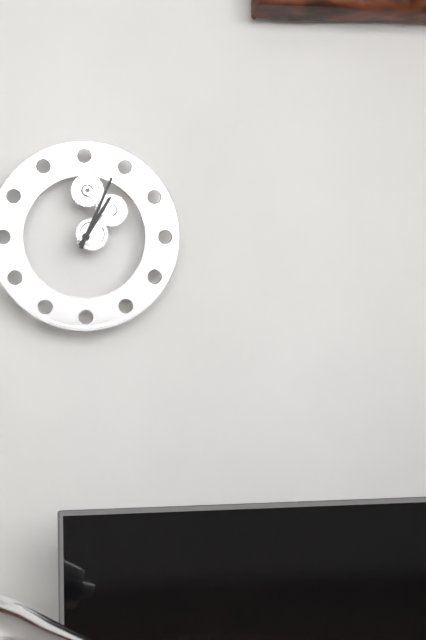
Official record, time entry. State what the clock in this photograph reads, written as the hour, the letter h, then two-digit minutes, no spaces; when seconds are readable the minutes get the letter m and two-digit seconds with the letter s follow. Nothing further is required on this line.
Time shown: 1h04
